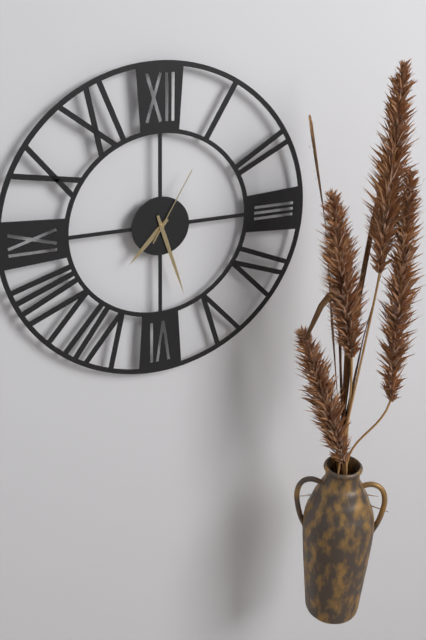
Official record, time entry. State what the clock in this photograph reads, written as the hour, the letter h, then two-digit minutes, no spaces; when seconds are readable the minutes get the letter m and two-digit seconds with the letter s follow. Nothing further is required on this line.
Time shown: 7h27m05s
